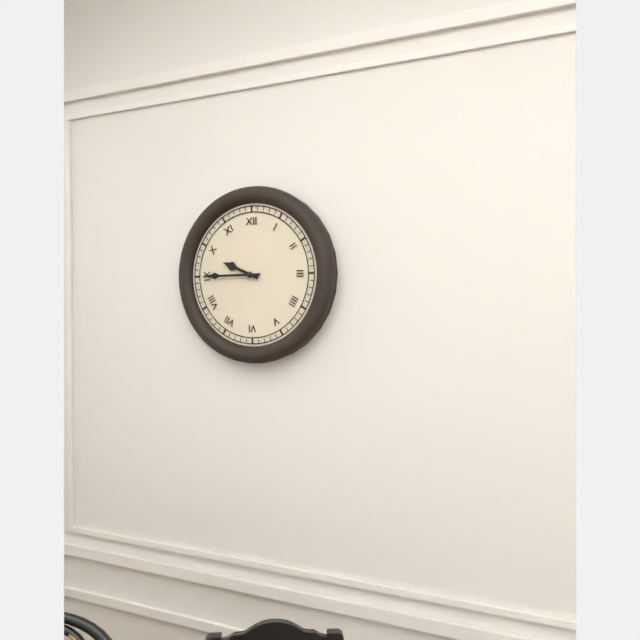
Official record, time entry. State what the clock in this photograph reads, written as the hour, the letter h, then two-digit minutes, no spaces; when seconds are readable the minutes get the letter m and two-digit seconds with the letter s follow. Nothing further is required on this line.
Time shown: 9h45
